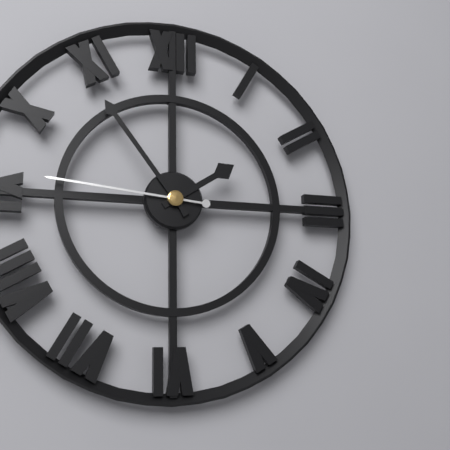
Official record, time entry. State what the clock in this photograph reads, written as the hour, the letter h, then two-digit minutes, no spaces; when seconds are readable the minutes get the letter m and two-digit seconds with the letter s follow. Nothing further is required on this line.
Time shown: 1h54m46s
